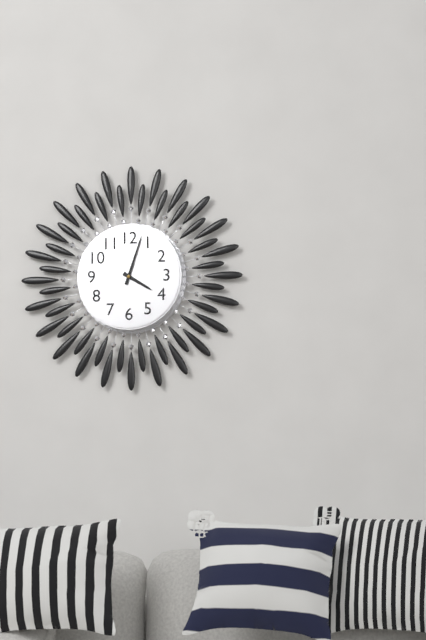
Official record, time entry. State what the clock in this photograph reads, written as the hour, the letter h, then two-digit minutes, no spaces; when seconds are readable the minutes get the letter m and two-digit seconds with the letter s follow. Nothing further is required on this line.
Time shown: 4h03
